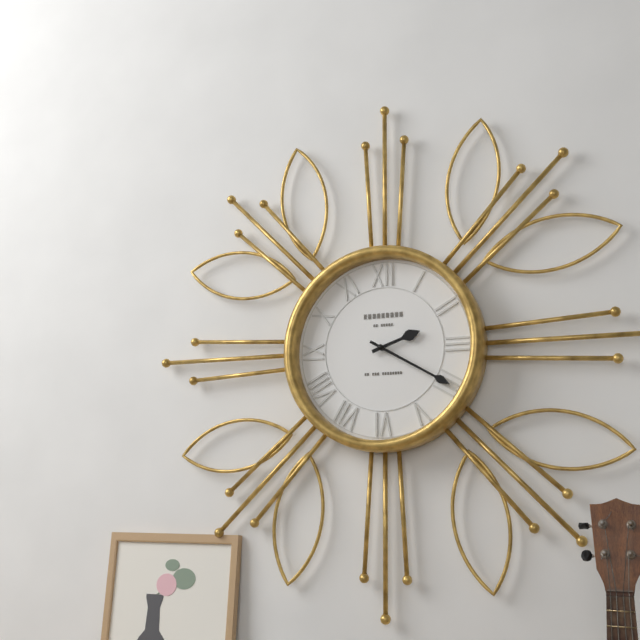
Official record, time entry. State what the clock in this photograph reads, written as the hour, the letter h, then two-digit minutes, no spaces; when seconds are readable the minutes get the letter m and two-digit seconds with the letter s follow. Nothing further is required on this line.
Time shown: 2h20
